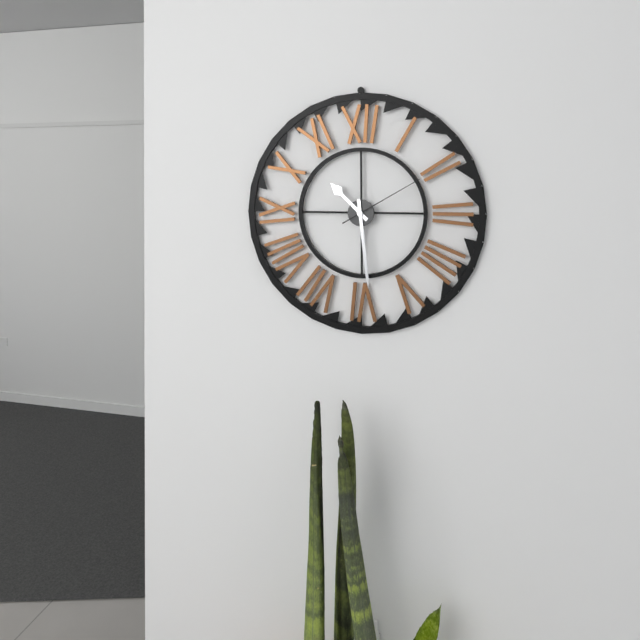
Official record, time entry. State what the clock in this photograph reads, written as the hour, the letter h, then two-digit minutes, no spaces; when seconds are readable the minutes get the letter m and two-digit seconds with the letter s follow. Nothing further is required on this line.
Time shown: 10h29m10s
